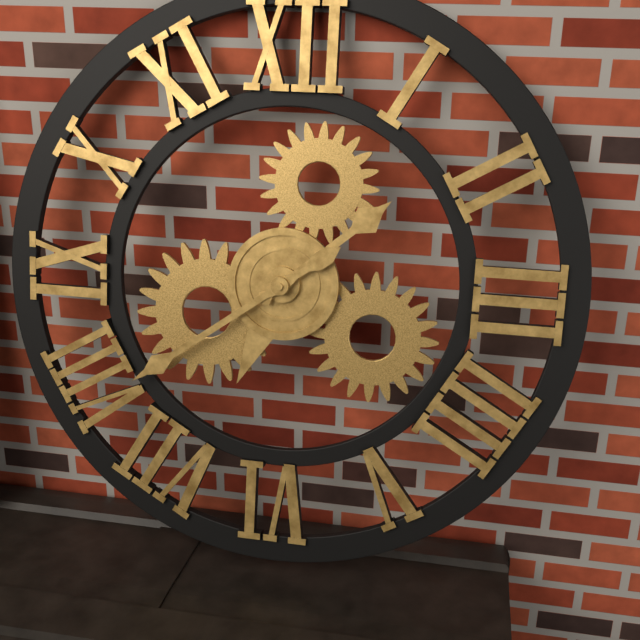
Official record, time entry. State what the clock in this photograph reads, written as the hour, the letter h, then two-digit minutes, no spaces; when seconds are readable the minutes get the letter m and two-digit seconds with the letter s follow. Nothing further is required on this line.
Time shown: 1h39
